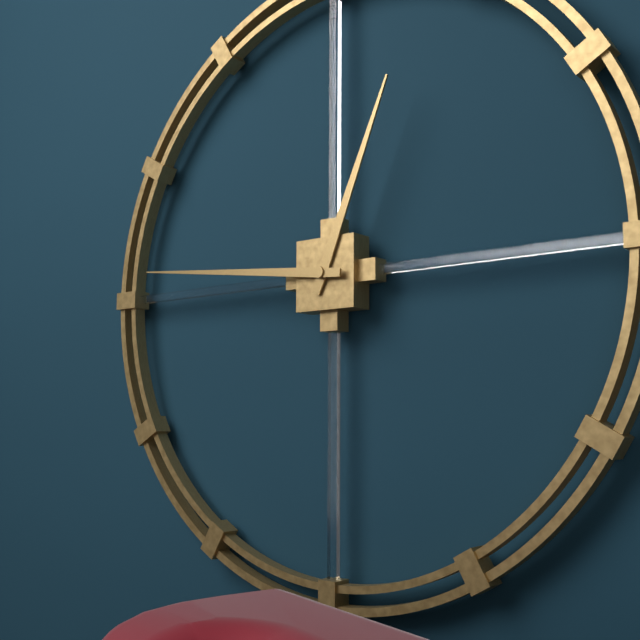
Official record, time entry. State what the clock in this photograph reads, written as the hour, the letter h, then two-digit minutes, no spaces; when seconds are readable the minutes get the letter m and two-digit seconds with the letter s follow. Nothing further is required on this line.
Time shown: 12h46
